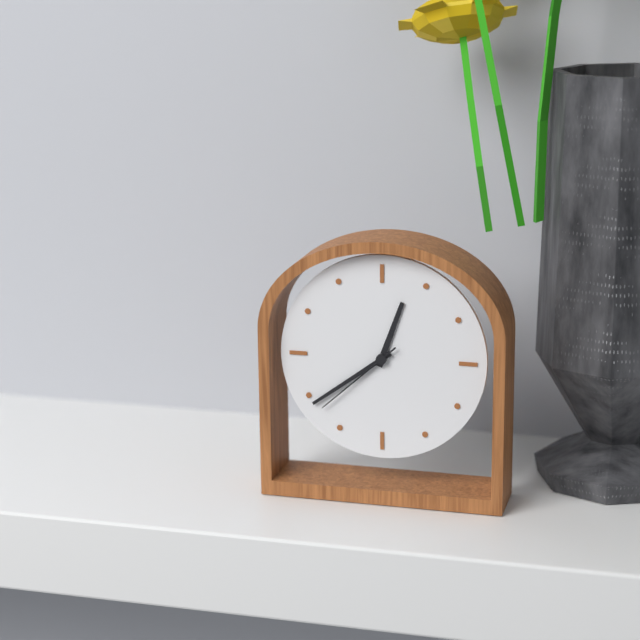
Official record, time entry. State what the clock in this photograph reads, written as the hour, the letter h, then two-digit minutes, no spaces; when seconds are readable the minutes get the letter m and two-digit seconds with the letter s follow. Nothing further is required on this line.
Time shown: 12h39m38s
